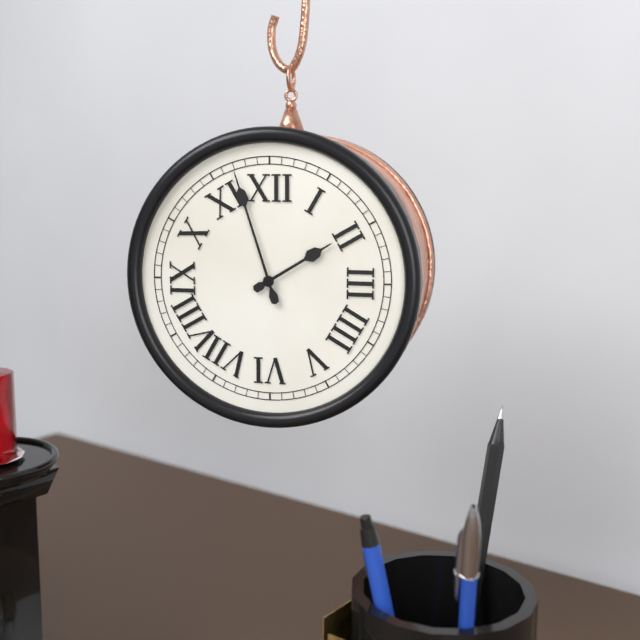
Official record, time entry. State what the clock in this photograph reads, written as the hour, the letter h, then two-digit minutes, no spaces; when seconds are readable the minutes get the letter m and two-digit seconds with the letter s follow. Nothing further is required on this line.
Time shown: 1h57
